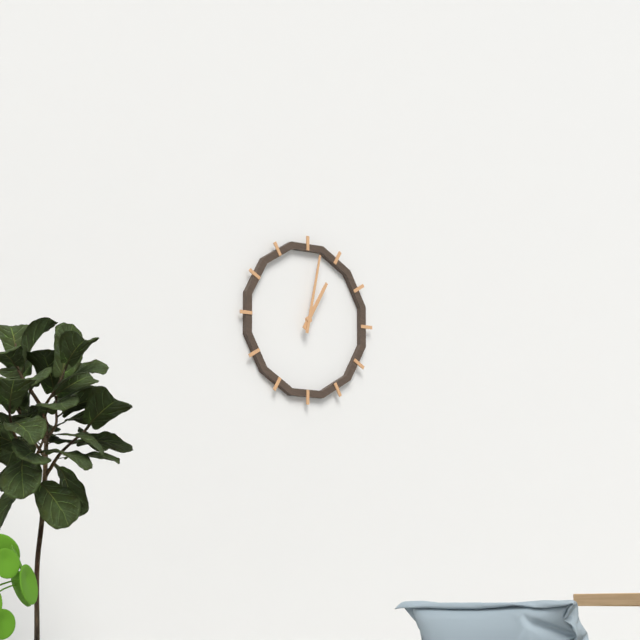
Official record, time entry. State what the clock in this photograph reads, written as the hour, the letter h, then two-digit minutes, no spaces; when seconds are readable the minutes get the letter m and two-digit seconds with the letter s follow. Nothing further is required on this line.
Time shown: 1h02
